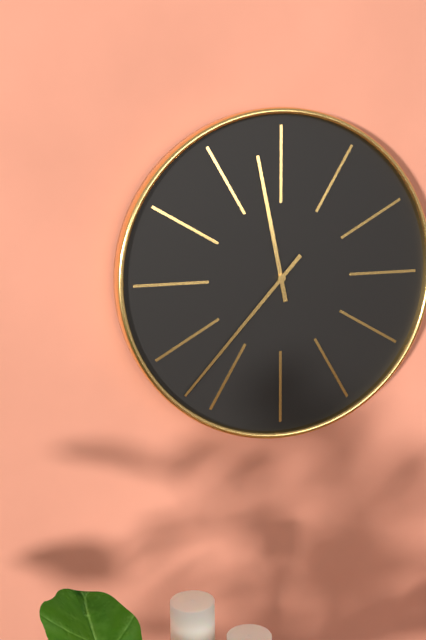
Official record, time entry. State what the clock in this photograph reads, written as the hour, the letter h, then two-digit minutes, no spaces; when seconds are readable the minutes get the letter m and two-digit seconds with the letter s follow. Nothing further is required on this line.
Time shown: 11h37
